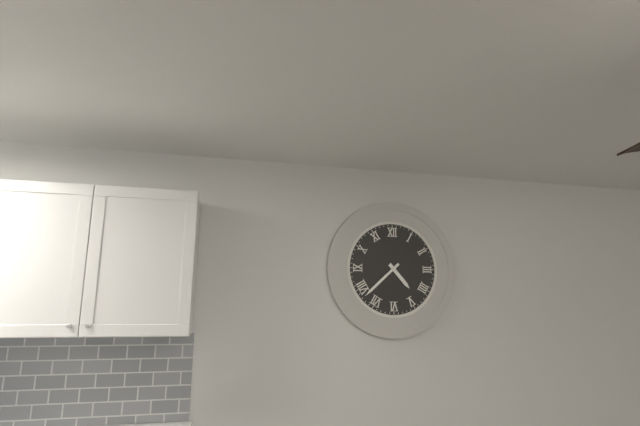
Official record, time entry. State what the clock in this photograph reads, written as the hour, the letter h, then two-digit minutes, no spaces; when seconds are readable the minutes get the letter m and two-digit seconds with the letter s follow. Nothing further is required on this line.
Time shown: 4h38
